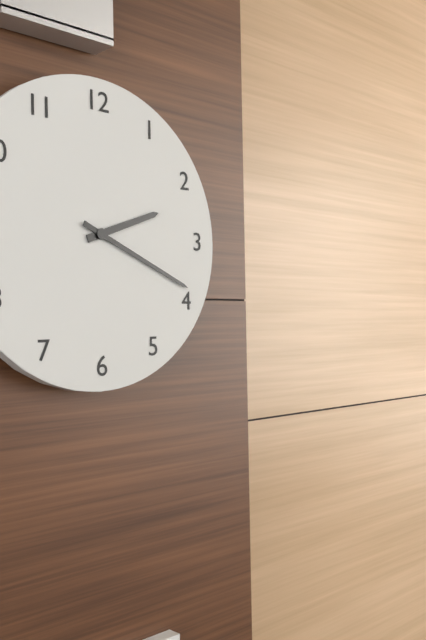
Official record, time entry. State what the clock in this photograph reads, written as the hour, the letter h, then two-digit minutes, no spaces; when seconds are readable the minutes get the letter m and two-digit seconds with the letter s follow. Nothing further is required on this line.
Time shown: 2h19
